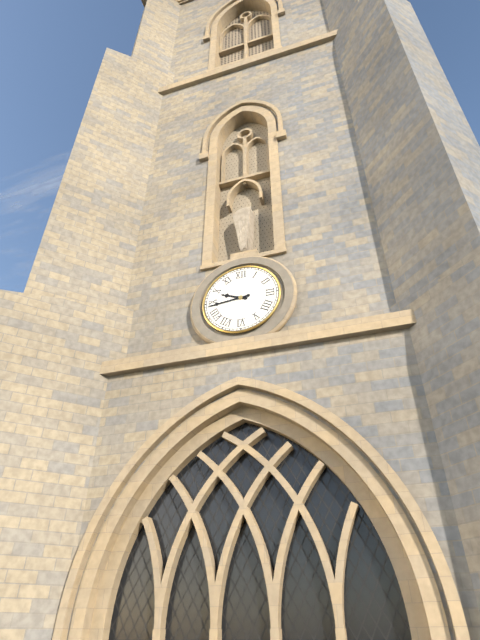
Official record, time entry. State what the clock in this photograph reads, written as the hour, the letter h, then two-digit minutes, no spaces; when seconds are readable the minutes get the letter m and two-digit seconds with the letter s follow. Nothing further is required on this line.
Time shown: 9h44
